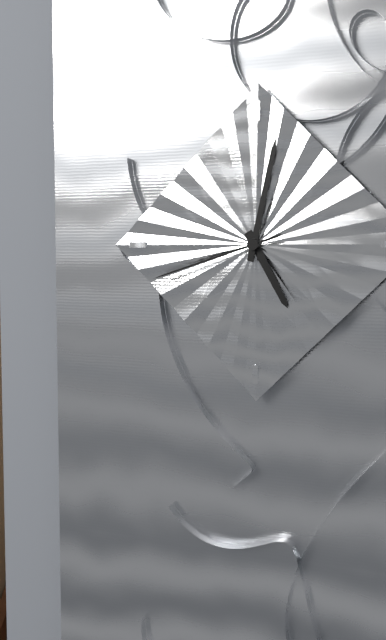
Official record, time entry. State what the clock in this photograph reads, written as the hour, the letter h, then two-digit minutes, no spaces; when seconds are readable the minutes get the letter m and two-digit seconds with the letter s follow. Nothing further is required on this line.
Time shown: 5h02m42s
